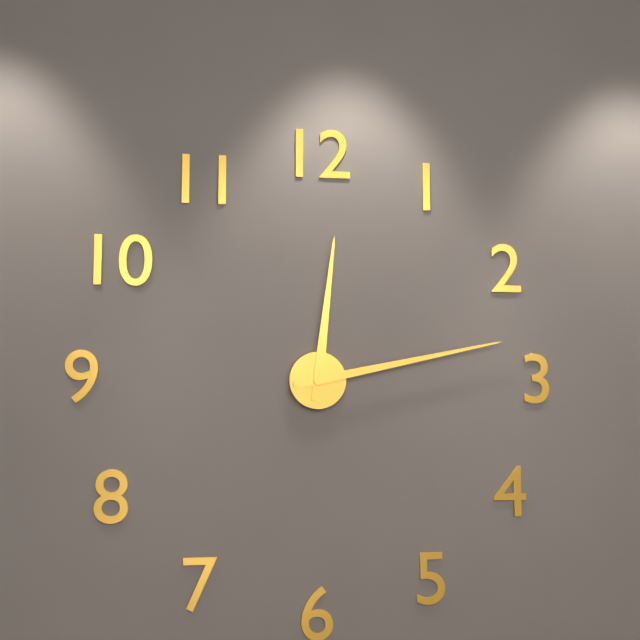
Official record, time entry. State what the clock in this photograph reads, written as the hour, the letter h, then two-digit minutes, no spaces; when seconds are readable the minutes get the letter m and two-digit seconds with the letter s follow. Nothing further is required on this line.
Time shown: 12h13
